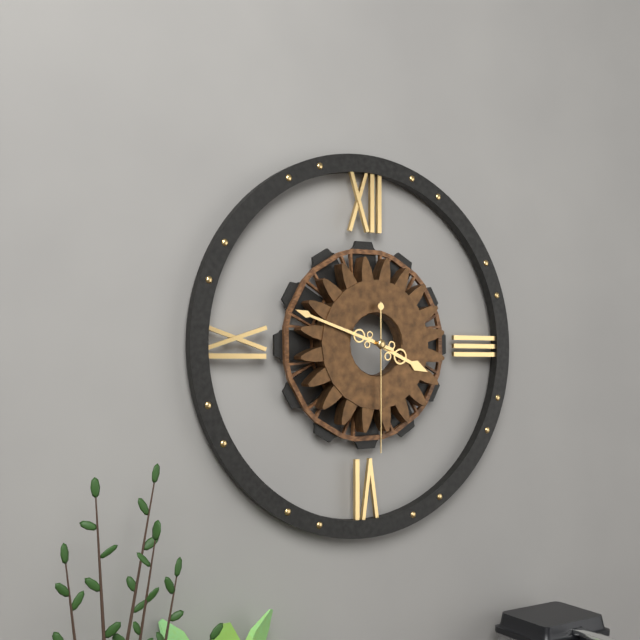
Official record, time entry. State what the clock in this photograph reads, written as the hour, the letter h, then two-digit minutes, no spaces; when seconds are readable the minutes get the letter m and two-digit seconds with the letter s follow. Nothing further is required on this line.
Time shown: 3h48m30s
